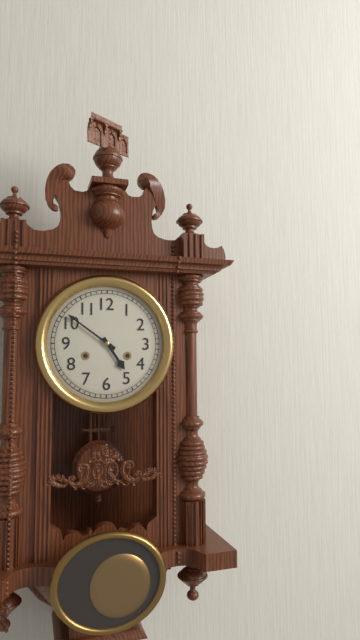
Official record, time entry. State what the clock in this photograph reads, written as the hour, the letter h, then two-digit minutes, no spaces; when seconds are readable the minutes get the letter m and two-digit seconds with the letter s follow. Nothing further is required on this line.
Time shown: 4h51
